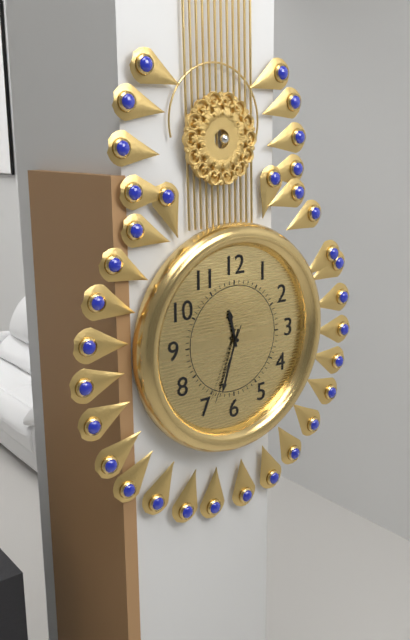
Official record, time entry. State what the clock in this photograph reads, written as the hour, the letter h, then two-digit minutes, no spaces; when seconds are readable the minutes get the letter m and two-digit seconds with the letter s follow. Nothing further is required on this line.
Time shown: 11h33m34s
